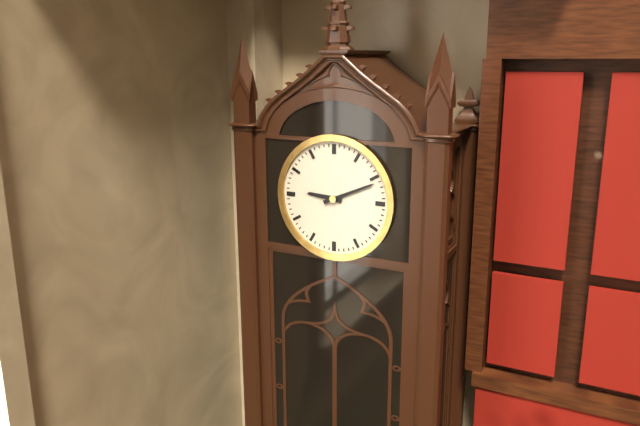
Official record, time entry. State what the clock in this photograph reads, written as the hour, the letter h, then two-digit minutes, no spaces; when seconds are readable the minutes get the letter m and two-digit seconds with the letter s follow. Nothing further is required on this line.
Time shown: 9h11
